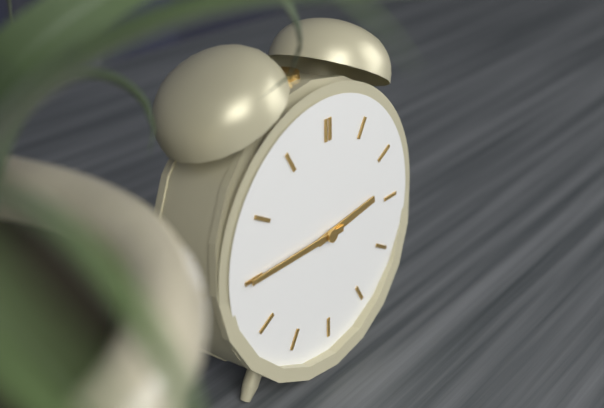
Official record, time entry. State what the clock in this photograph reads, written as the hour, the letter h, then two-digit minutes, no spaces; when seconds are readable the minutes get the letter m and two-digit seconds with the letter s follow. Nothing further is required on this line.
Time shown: 2h45
